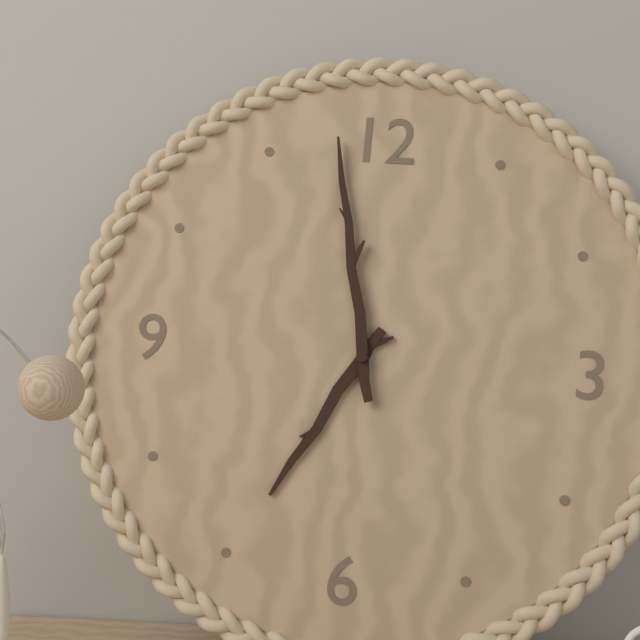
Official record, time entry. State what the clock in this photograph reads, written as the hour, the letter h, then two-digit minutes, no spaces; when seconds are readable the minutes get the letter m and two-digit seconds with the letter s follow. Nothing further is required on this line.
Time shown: 6h58
